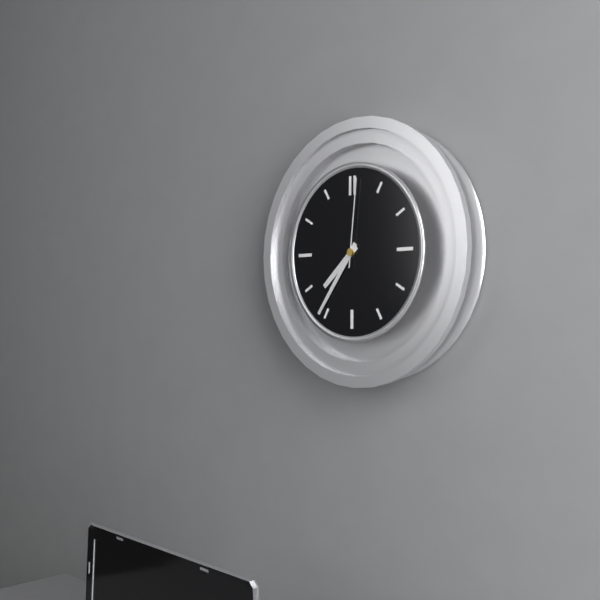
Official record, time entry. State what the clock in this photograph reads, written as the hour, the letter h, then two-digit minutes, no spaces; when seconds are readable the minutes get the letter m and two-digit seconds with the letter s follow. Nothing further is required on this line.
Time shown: 7h36m01s
